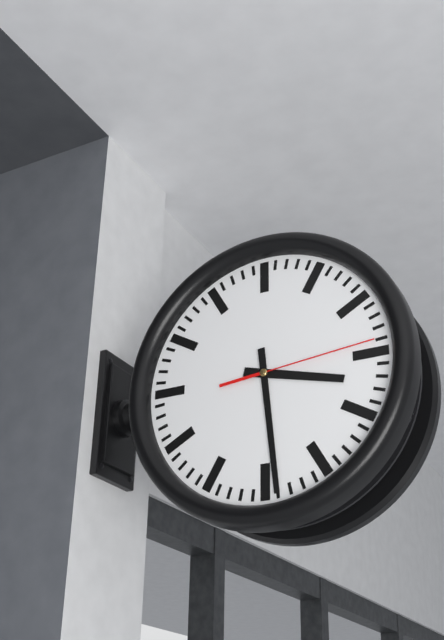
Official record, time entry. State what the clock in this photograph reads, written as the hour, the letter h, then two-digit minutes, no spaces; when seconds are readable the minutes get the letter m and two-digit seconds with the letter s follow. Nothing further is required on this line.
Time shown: 3h29m14s
